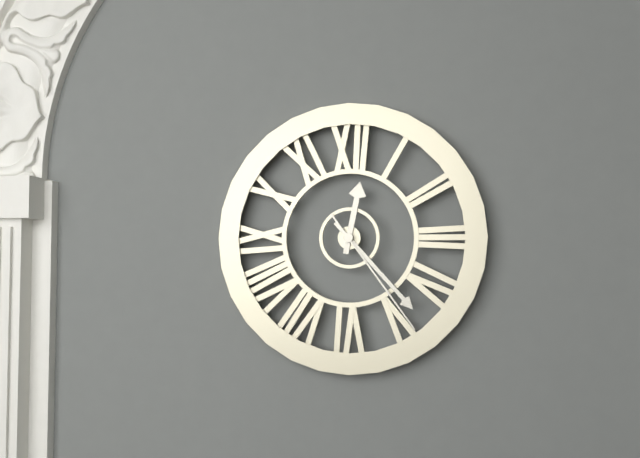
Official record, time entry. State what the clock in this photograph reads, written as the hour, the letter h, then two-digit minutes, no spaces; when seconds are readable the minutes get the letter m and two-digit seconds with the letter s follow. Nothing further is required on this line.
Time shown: 12h23m24s
